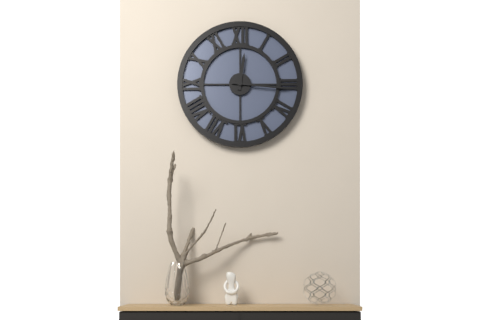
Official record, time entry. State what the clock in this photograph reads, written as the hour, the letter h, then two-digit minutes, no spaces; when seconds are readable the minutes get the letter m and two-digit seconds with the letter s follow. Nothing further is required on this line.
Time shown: 12h16
